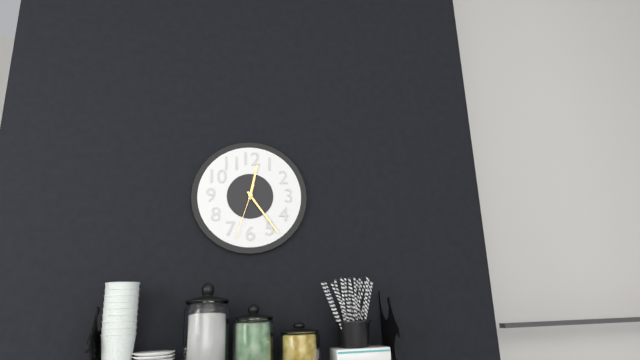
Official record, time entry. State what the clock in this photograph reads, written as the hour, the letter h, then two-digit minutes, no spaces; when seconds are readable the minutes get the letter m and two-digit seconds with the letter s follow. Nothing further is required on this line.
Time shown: 12h24m33s
